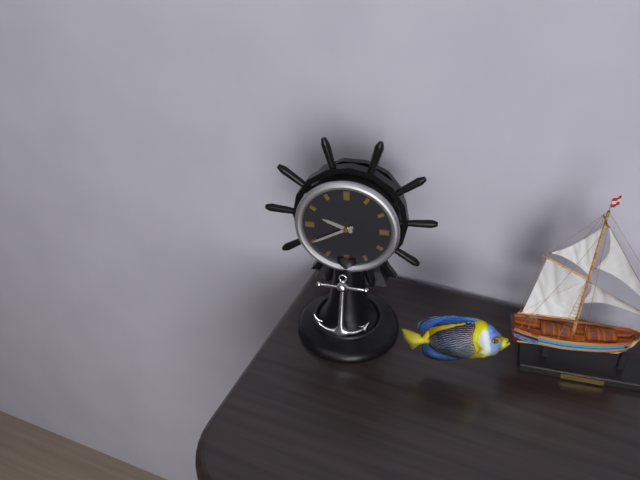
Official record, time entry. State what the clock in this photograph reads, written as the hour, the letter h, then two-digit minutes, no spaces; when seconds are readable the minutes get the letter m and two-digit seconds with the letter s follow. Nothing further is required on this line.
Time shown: 9h40
